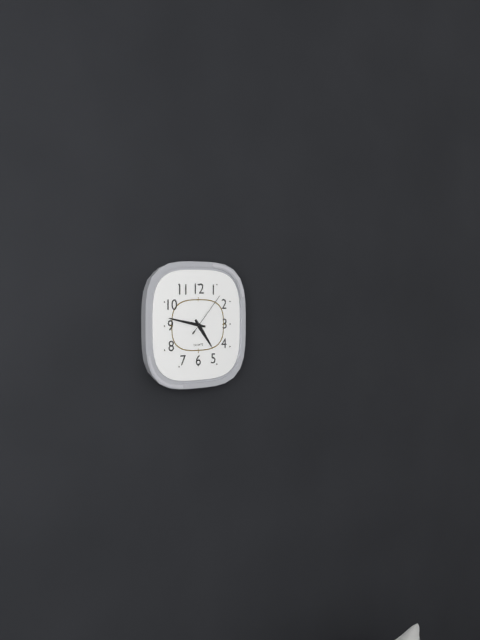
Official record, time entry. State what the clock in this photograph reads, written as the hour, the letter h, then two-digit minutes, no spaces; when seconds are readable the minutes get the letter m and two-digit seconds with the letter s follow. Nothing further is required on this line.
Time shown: 4h47
